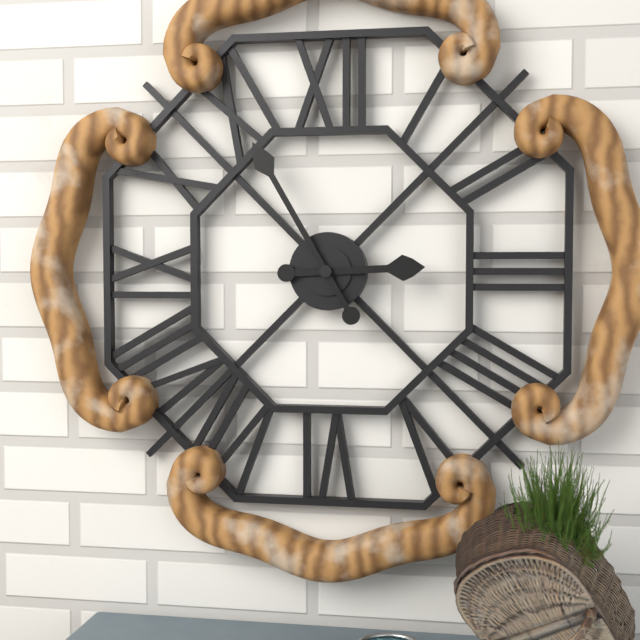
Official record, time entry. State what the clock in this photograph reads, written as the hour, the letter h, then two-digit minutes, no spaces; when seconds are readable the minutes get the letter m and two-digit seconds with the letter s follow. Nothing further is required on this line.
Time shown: 2h55
